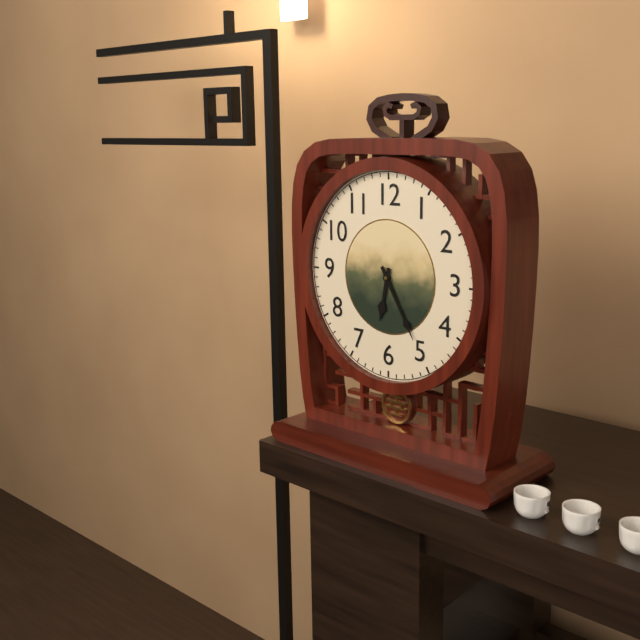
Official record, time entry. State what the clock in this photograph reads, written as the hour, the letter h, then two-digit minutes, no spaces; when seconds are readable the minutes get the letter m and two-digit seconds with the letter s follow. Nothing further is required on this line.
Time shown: 6h25
